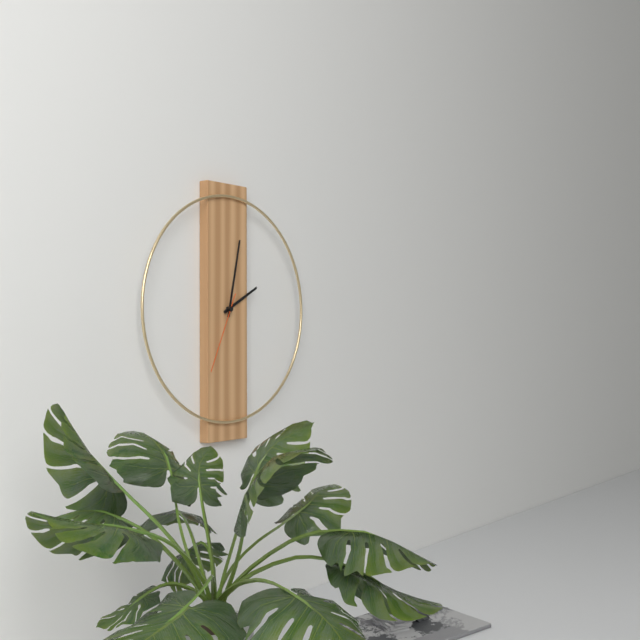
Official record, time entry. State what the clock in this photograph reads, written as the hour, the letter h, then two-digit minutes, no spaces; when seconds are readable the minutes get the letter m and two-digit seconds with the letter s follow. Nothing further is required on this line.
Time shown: 2h02m34s
